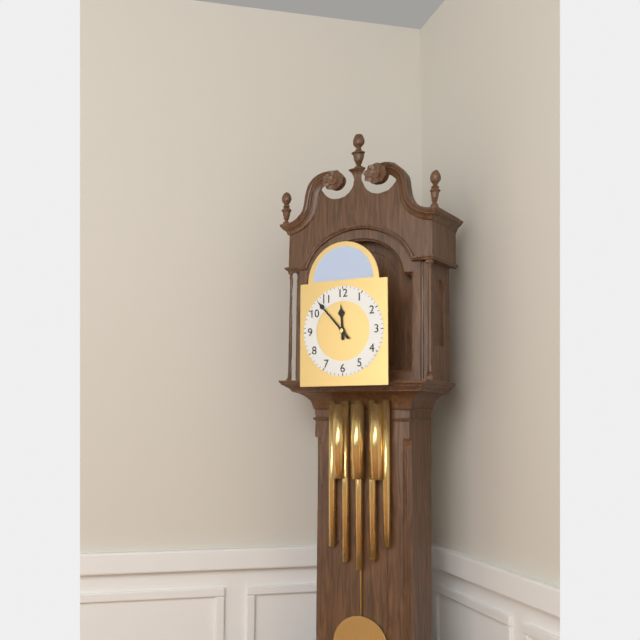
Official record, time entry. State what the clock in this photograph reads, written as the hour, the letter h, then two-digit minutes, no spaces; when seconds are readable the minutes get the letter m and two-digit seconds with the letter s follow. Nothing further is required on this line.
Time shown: 11h53
